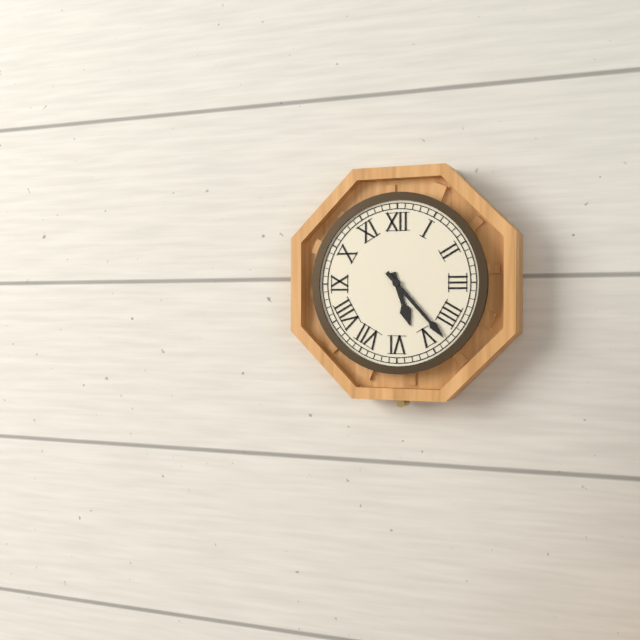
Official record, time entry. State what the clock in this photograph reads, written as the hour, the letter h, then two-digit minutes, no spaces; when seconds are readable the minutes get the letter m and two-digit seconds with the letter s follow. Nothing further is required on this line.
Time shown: 5h23
